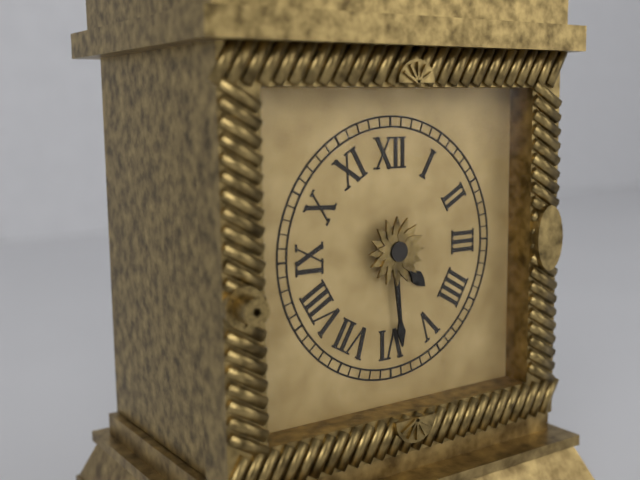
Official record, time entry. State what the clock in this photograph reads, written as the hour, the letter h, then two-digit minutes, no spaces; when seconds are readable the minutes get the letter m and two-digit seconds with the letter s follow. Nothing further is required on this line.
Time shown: 4h29
